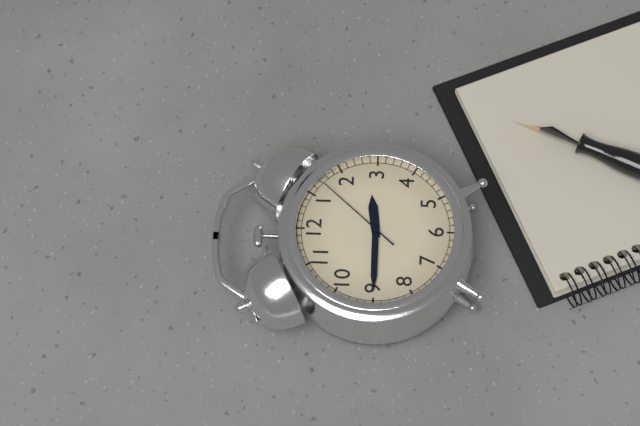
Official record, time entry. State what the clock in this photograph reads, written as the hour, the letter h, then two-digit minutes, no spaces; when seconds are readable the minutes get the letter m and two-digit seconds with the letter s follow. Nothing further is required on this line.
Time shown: 2h45m07s
